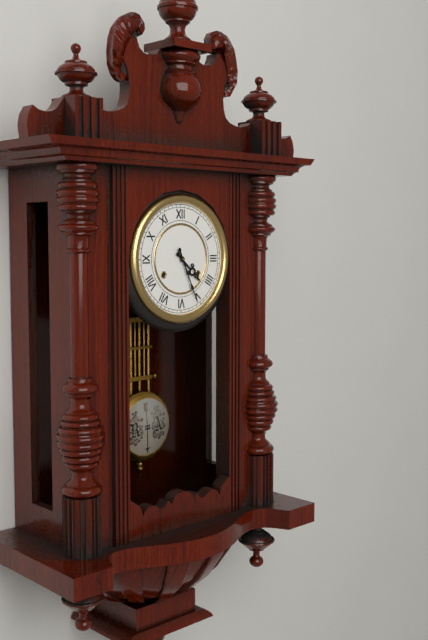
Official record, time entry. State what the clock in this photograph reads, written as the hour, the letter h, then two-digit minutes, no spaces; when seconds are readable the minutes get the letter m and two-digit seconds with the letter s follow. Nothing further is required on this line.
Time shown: 4h26
